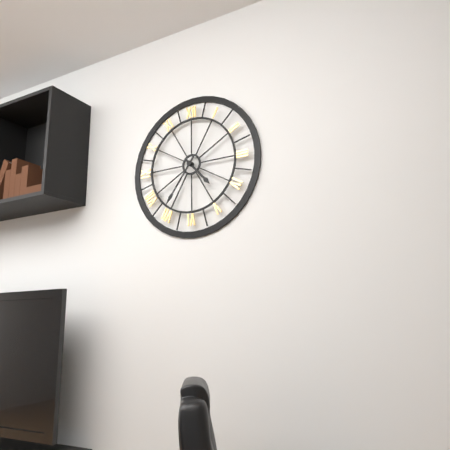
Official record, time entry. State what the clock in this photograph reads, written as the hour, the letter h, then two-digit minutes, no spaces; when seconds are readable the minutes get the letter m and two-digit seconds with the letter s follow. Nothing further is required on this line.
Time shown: 4h36
